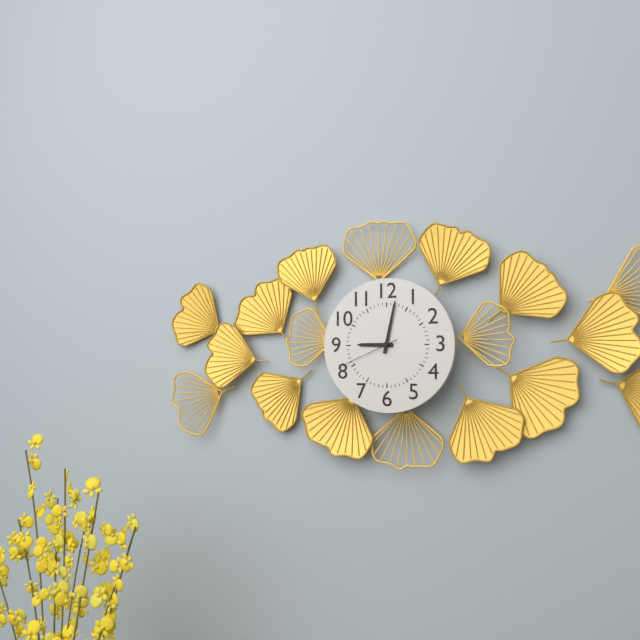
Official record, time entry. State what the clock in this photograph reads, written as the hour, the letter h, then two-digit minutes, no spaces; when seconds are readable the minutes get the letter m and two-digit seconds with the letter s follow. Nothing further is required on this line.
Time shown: 9h02m41s
